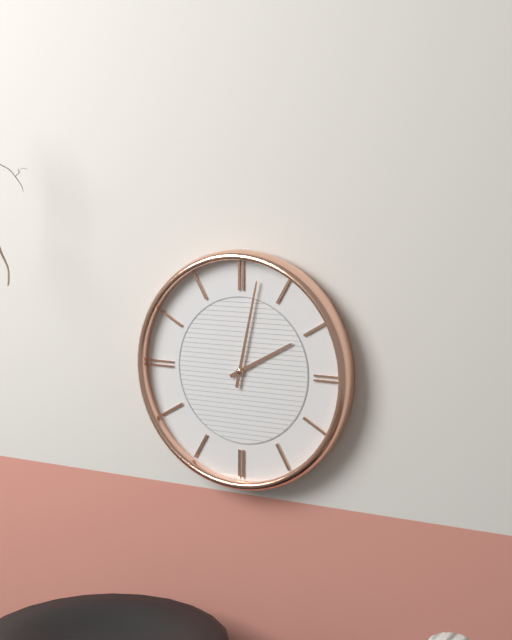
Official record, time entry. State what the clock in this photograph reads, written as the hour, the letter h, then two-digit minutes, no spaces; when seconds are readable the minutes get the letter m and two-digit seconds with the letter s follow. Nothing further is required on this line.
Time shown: 2h02
